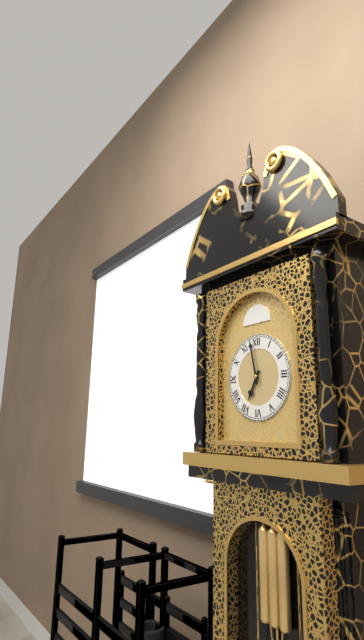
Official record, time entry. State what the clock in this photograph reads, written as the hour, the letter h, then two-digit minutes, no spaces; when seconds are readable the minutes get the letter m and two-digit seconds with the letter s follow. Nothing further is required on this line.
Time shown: 6h58
